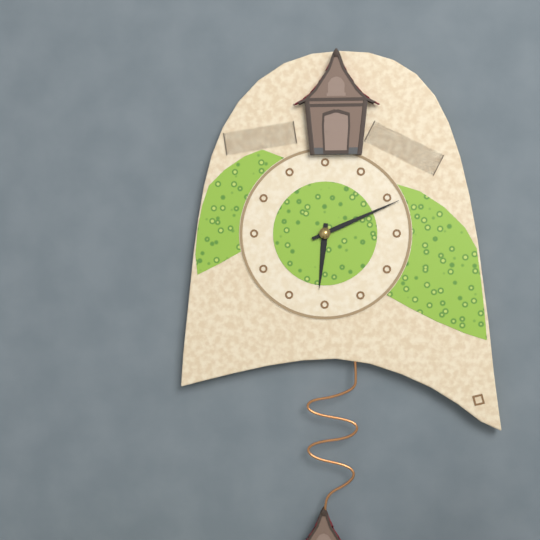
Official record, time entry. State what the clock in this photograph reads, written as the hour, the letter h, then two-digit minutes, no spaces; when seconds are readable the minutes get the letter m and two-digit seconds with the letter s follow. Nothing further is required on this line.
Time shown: 6h11
